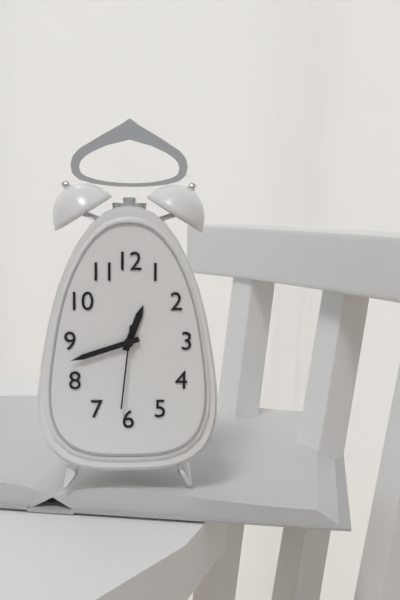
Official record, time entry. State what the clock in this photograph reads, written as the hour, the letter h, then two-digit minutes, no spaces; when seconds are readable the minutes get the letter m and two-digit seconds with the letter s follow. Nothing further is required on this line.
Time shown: 12h42m31s
